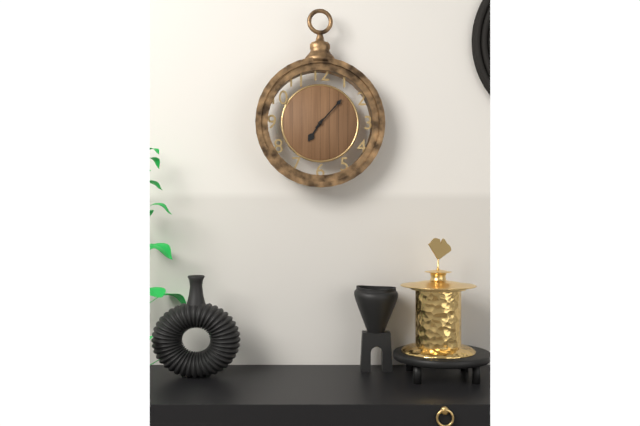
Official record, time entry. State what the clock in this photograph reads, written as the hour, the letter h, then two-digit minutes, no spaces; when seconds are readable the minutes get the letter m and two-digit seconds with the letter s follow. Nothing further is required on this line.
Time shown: 7h07
